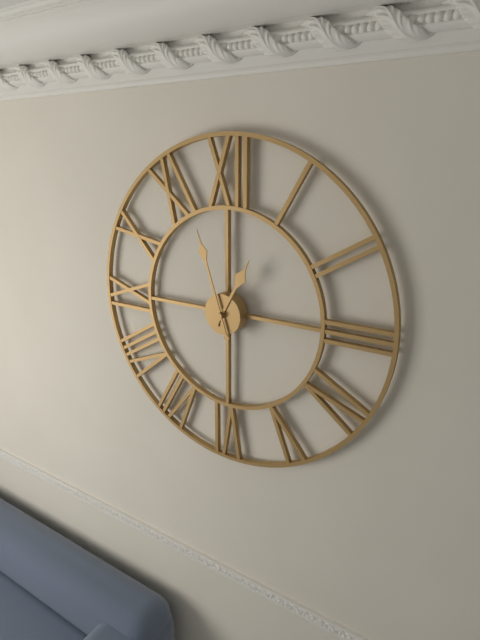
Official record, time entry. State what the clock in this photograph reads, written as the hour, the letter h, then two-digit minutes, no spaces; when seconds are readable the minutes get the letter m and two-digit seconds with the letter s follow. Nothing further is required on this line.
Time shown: 12h57
